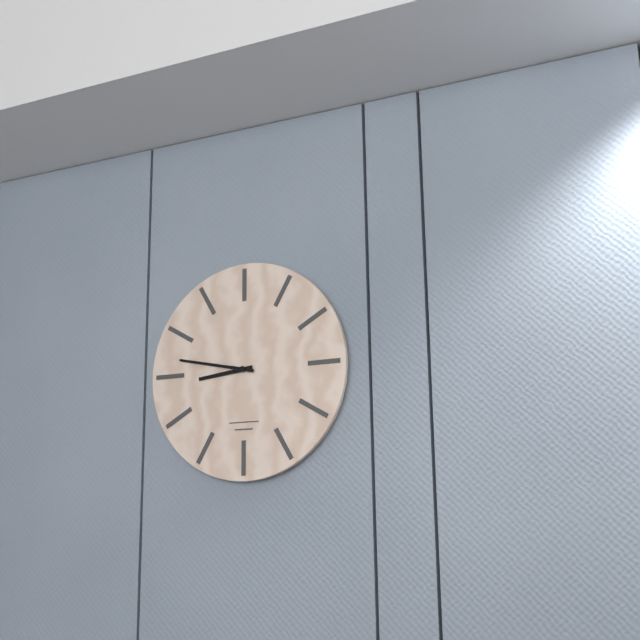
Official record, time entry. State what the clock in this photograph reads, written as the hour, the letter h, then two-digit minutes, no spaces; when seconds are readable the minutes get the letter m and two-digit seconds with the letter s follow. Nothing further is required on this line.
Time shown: 8h47
